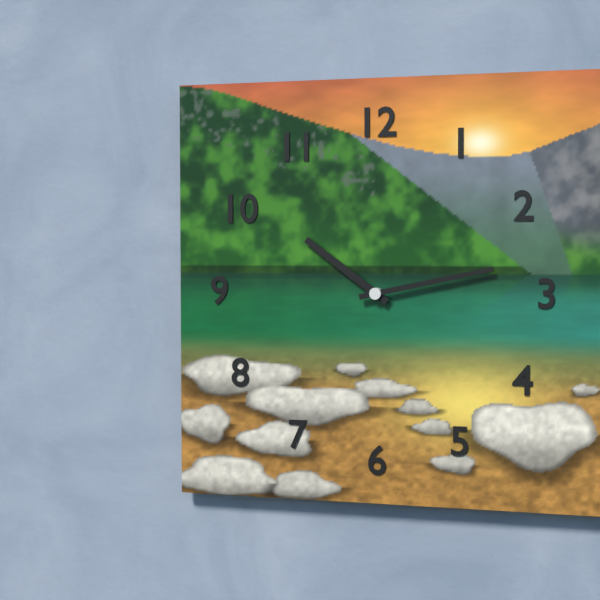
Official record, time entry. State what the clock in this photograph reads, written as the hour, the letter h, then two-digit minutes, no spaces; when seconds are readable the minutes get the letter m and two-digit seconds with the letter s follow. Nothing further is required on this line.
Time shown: 10h13
